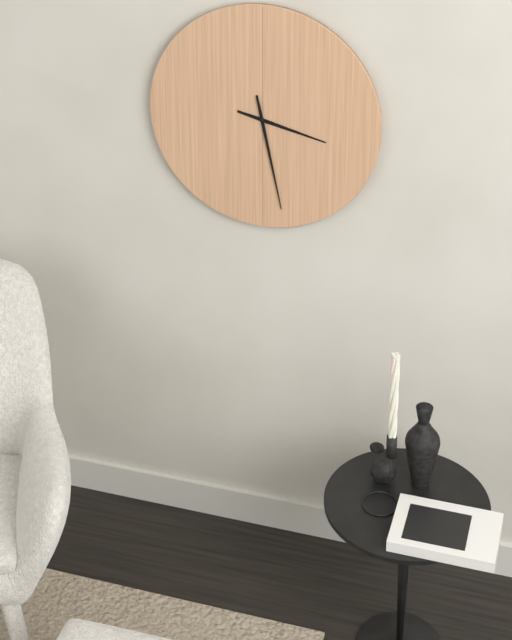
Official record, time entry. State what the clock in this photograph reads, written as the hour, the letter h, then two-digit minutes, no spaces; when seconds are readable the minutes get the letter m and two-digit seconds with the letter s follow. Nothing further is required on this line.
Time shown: 3h28
